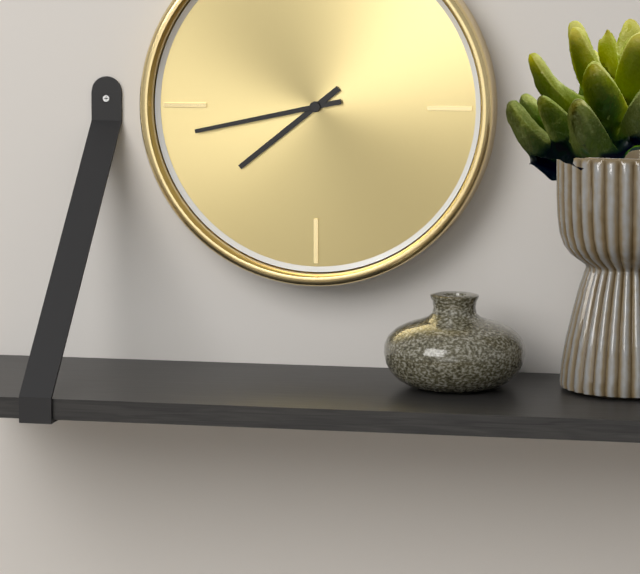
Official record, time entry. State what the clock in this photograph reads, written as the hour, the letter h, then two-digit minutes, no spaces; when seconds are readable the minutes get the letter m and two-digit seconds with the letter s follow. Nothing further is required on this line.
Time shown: 7h43
